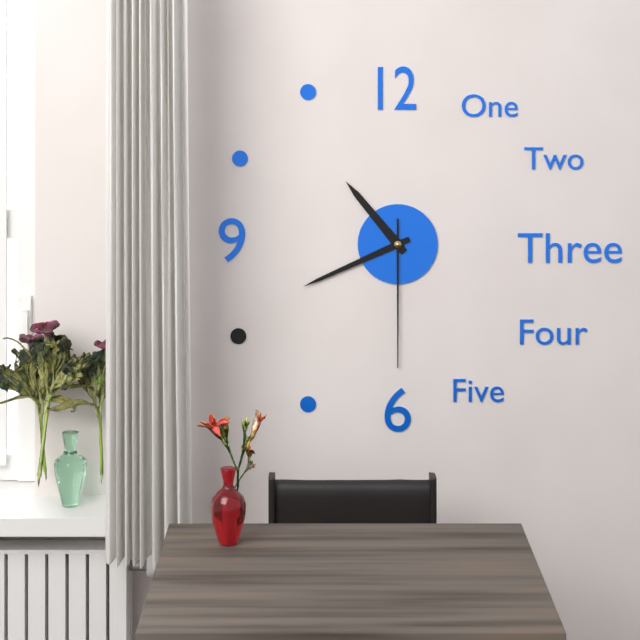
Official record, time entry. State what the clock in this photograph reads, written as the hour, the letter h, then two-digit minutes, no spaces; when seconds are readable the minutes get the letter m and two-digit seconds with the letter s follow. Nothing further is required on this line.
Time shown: 10h41m30s
